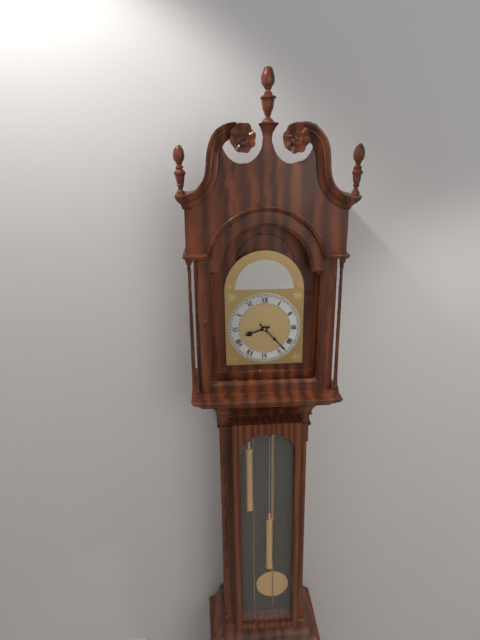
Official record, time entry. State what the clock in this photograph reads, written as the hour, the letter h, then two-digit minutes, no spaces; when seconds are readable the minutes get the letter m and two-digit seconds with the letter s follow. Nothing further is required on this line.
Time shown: 8h23
